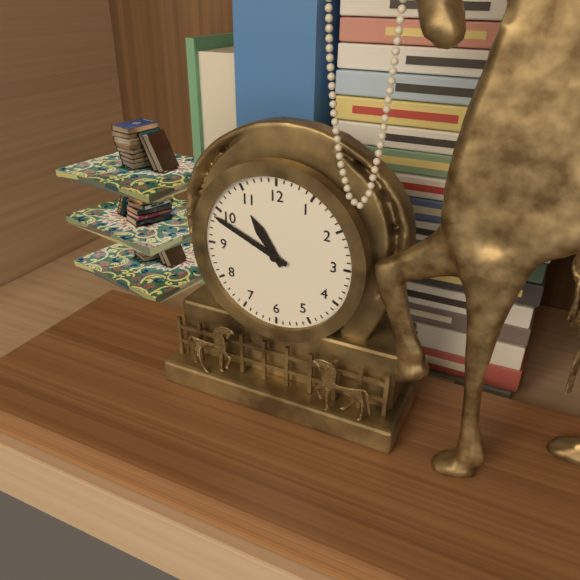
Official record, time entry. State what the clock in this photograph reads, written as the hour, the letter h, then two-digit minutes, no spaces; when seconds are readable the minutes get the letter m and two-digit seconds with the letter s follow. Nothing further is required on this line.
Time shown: 10h49
